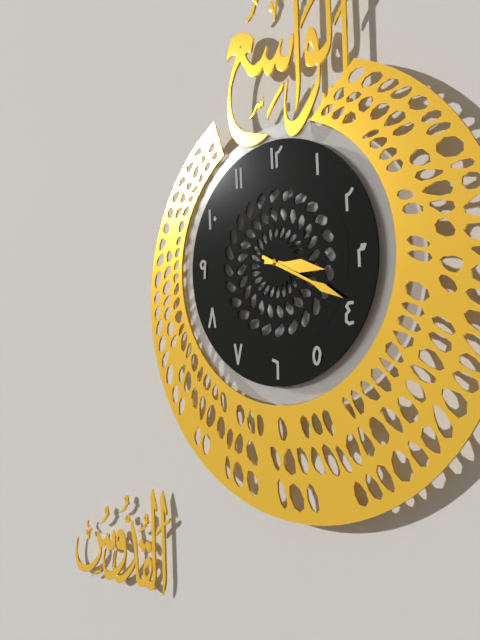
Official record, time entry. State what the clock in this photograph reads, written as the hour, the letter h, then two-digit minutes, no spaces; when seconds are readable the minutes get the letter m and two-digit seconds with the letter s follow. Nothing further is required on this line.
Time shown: 3h19
